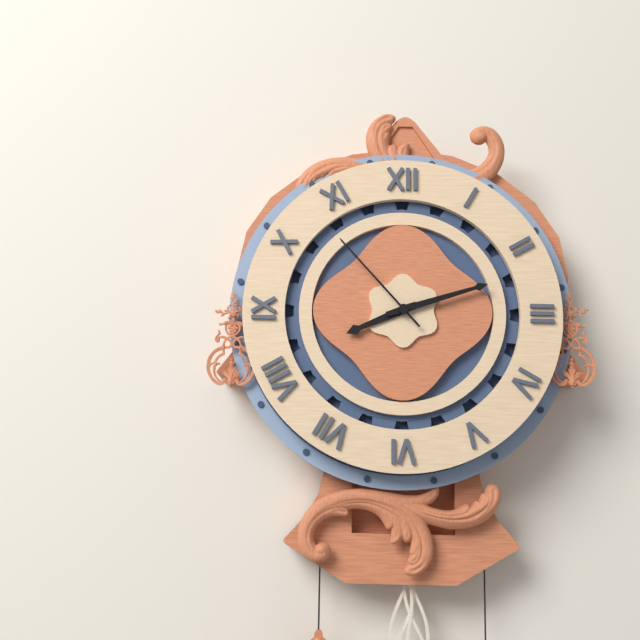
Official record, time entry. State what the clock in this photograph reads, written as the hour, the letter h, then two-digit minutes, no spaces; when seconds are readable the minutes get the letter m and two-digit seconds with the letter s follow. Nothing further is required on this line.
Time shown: 8h12m53s
